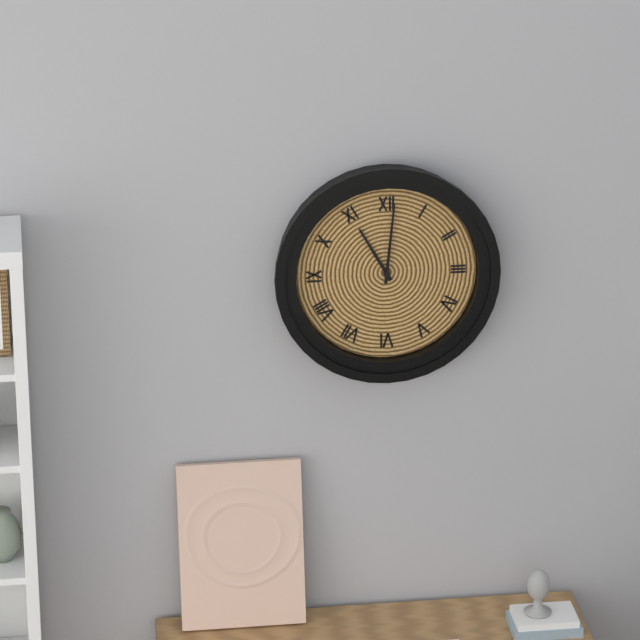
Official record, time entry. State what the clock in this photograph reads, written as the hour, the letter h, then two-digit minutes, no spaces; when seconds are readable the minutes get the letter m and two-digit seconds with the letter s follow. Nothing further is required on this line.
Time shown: 11h01
